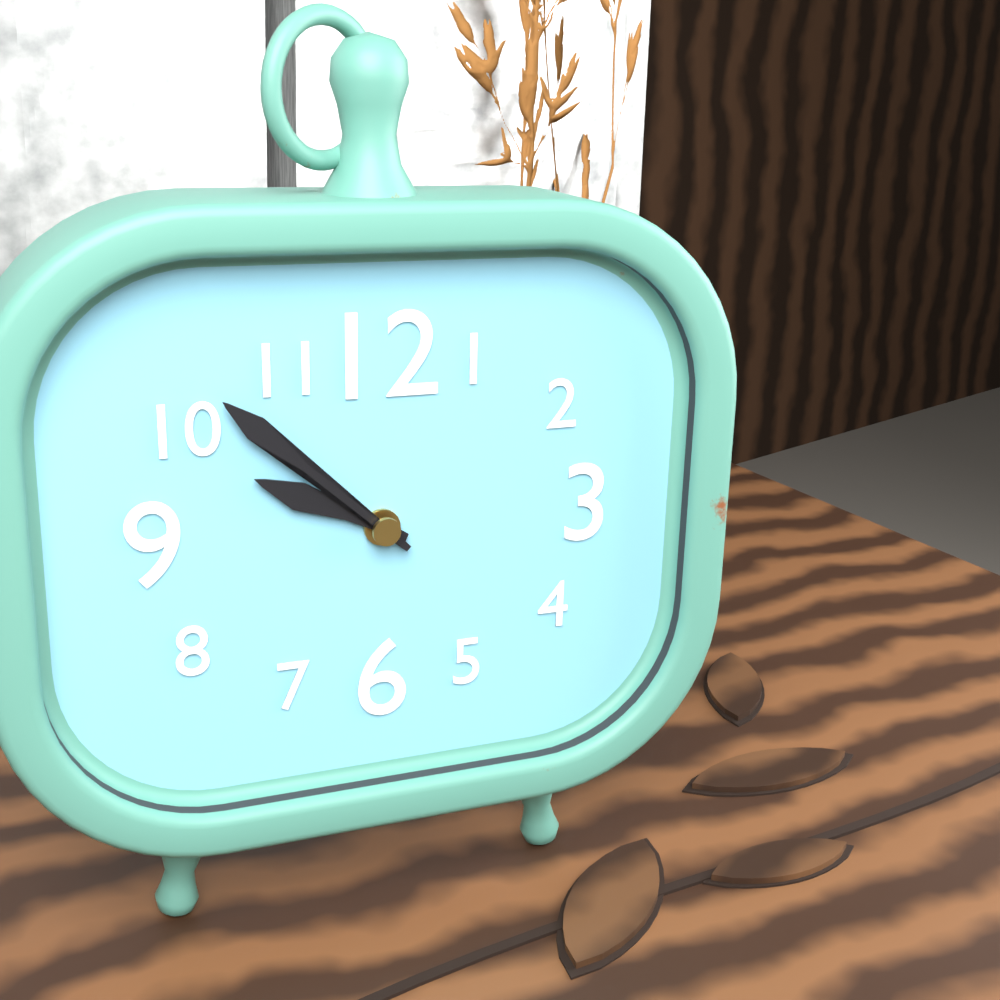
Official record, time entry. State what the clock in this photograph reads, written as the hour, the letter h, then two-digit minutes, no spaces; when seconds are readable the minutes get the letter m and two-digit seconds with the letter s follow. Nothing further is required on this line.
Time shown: 9h52
